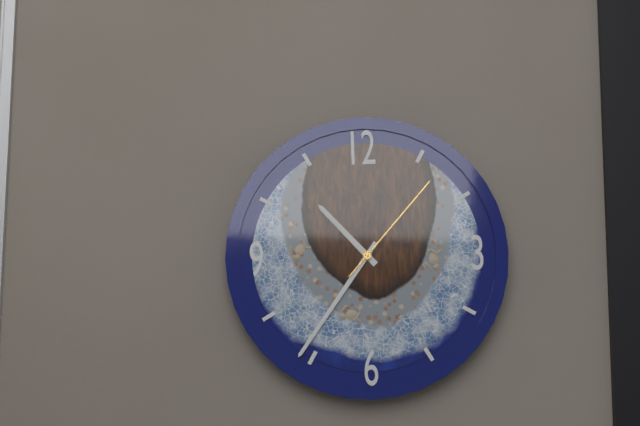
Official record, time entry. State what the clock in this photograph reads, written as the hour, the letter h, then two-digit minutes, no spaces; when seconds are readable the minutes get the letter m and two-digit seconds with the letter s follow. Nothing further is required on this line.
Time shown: 10h36m07s
